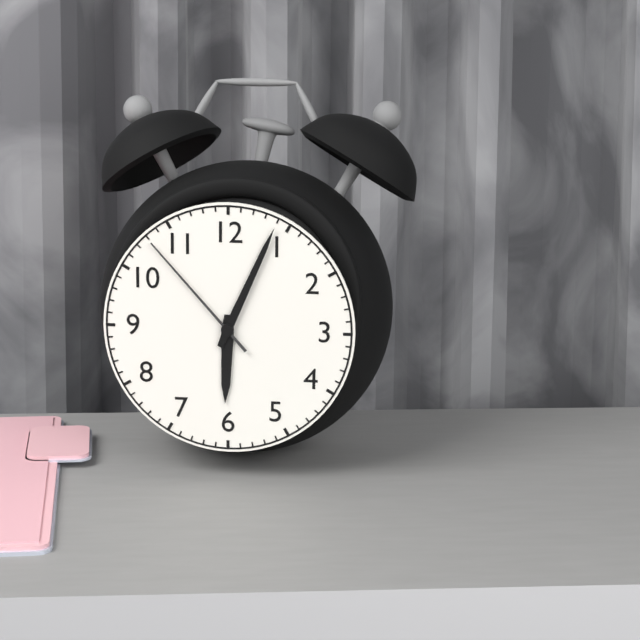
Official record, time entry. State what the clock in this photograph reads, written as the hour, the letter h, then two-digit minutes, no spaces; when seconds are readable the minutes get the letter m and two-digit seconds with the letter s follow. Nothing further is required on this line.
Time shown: 6h04m53s
